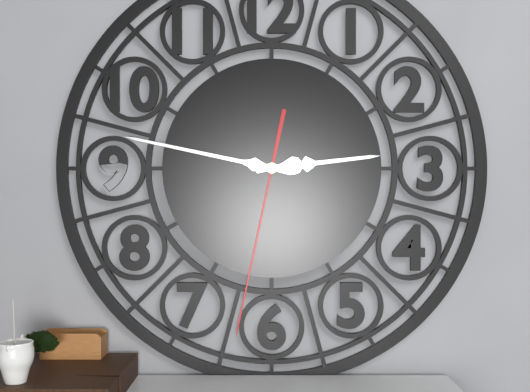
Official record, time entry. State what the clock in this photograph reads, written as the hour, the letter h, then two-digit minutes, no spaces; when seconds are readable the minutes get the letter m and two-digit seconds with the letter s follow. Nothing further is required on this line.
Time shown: 2h47m32s
